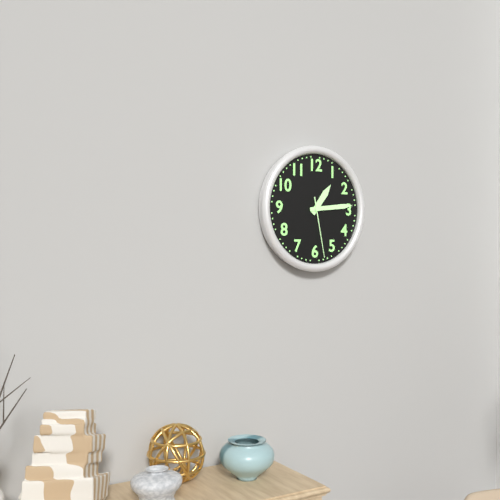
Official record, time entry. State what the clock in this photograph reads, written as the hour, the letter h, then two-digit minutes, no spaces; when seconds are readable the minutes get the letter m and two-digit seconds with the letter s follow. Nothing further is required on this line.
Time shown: 1h14m28s
